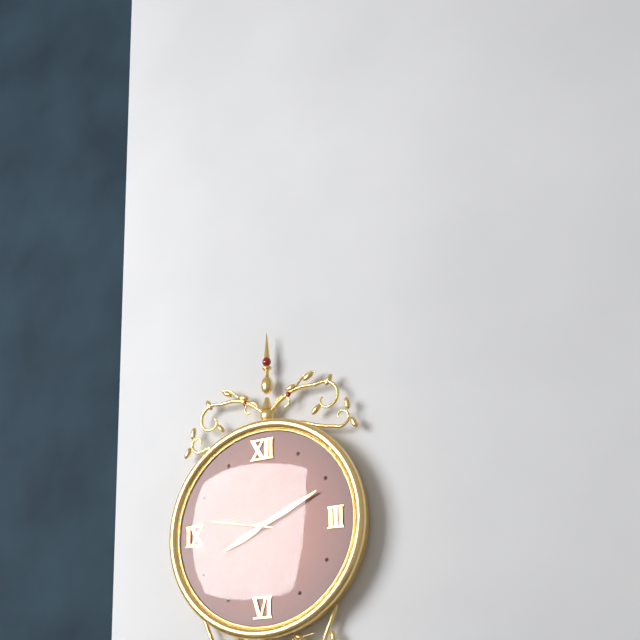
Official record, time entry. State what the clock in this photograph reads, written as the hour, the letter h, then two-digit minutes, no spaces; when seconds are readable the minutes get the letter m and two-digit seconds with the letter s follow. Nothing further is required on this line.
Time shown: 8h11m47s
